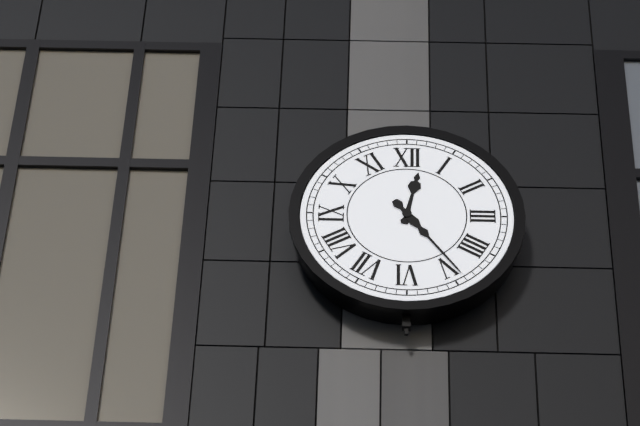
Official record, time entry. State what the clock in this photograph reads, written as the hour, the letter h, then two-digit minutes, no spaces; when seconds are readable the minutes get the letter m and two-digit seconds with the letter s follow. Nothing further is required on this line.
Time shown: 12h24
